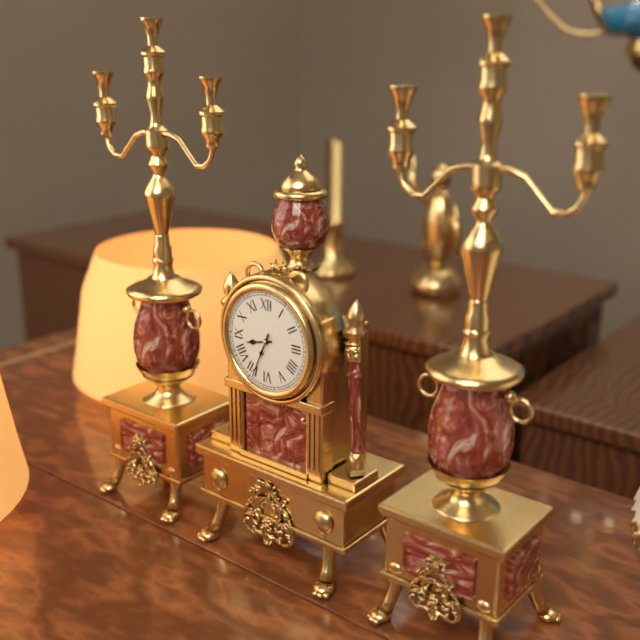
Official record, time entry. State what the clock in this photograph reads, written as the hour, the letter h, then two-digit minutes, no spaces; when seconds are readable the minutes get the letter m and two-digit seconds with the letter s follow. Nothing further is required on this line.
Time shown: 8h34
